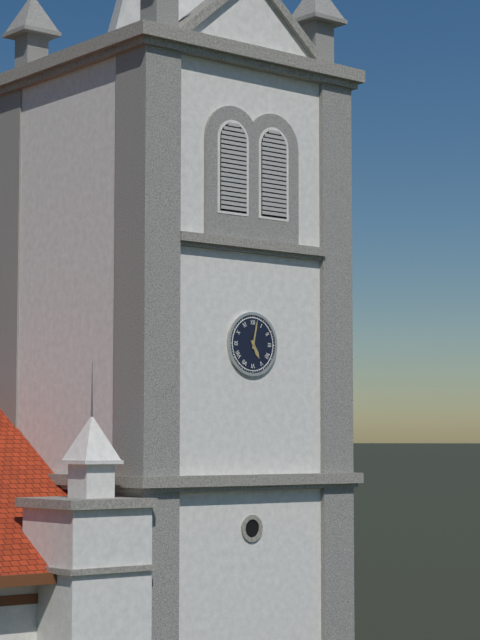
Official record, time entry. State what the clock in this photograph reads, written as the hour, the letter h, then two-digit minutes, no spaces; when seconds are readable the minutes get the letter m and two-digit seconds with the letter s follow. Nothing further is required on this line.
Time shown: 5h02
